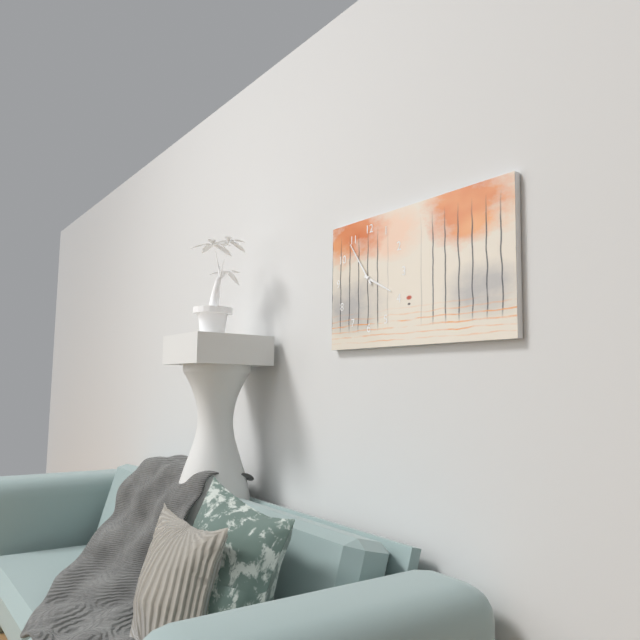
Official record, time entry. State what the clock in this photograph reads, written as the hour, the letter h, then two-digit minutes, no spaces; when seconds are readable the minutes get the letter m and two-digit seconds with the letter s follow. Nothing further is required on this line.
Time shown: 3h54
